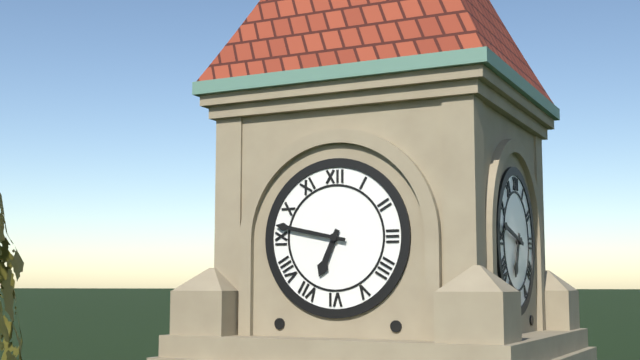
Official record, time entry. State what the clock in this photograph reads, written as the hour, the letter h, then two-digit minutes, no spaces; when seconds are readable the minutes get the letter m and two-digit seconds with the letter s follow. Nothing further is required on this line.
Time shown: 6h47
